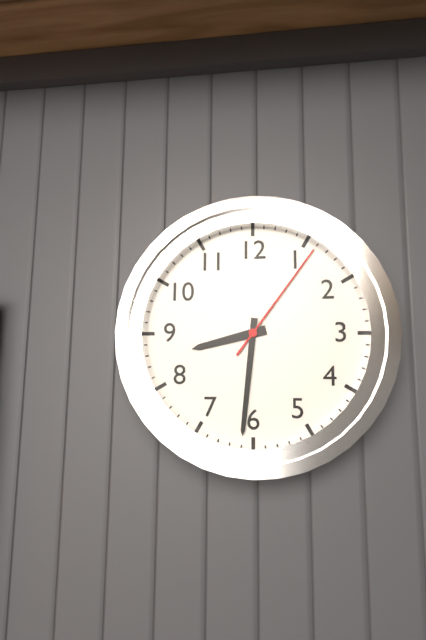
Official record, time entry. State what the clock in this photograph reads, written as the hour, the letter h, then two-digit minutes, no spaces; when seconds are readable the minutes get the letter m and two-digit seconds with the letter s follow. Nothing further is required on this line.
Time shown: 8h31m06s
